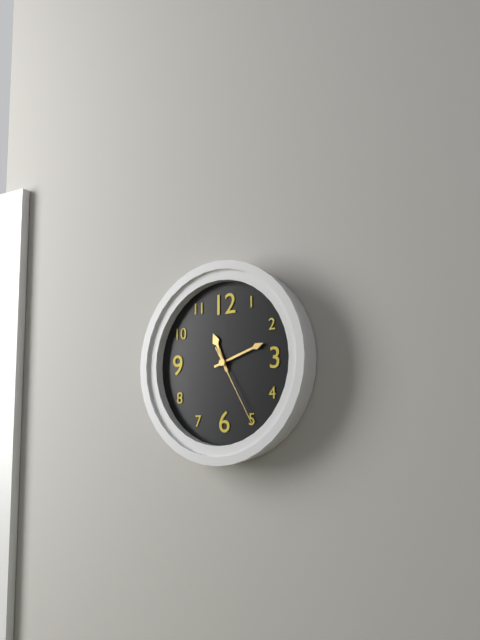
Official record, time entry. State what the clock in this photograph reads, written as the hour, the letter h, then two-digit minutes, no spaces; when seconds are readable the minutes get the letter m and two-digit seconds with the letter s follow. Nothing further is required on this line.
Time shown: 11h12m25s
